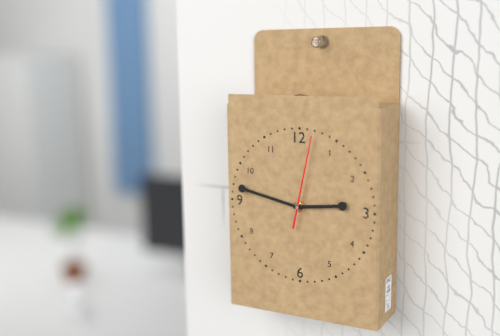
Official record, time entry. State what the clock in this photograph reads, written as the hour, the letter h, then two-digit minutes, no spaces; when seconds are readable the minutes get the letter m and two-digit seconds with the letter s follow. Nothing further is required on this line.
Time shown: 2h47m02s
